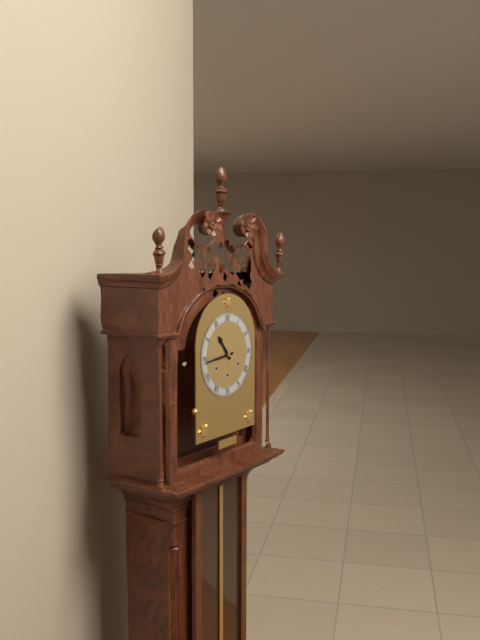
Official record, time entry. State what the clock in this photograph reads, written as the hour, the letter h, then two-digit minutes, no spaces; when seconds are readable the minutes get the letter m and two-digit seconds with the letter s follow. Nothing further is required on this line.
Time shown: 10h44
